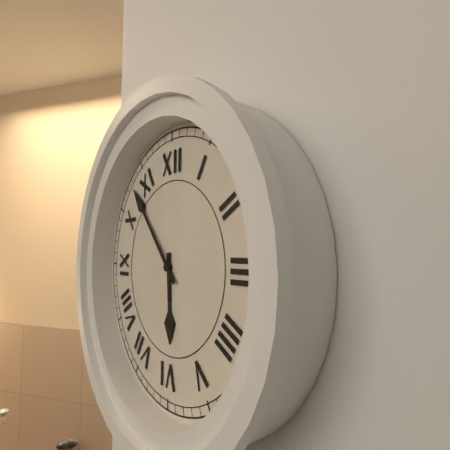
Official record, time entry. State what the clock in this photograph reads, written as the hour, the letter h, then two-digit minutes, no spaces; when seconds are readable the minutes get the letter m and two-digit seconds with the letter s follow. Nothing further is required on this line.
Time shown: 5h53
